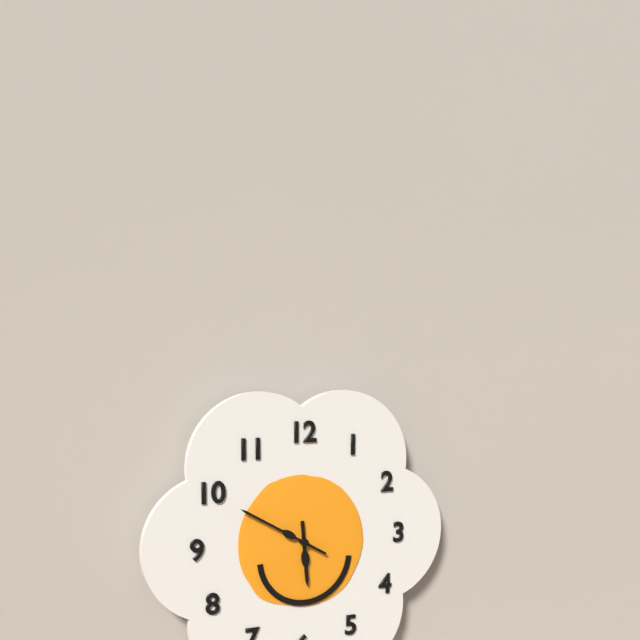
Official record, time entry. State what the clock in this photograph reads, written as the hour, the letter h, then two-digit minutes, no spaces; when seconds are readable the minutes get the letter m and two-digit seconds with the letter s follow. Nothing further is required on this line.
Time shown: 5h50
